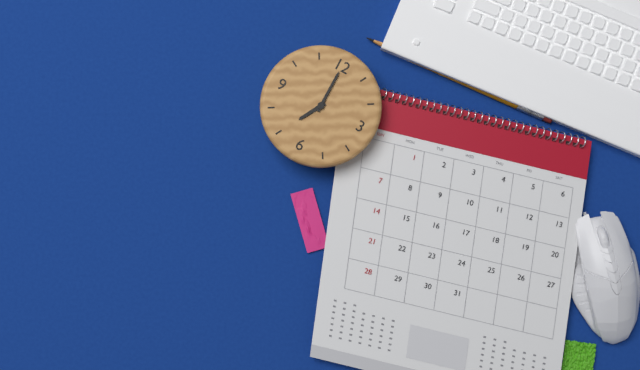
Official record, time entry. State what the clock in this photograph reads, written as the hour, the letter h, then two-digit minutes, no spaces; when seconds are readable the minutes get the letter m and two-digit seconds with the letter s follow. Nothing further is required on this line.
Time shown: 7h00
